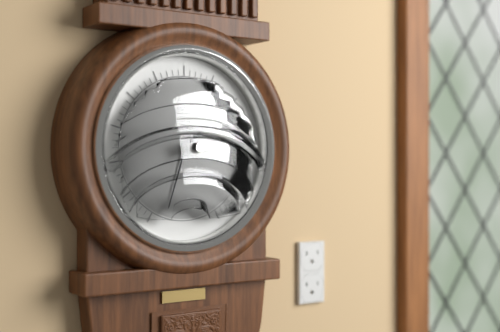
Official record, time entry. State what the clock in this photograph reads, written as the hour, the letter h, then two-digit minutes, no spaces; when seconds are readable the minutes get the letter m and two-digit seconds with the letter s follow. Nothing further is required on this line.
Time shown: 1h33
